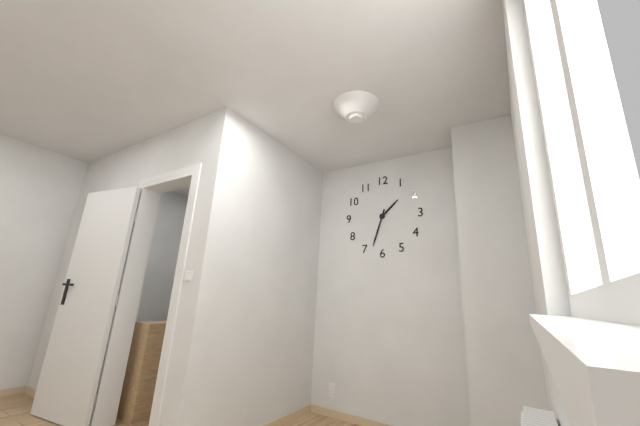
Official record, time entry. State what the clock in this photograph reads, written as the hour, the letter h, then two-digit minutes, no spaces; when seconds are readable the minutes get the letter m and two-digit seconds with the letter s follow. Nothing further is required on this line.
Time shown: 1h33
